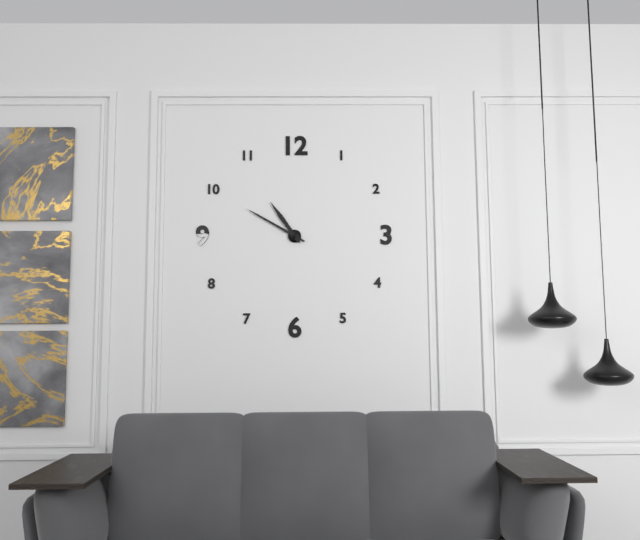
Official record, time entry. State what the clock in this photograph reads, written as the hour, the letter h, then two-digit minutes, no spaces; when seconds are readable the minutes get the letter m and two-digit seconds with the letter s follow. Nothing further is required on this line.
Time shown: 10h50
